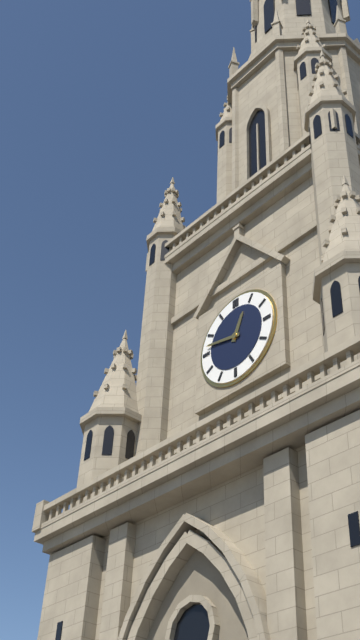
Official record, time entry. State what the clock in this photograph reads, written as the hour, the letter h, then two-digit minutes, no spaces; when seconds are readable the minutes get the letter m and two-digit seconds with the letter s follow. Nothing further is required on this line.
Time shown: 12h47
